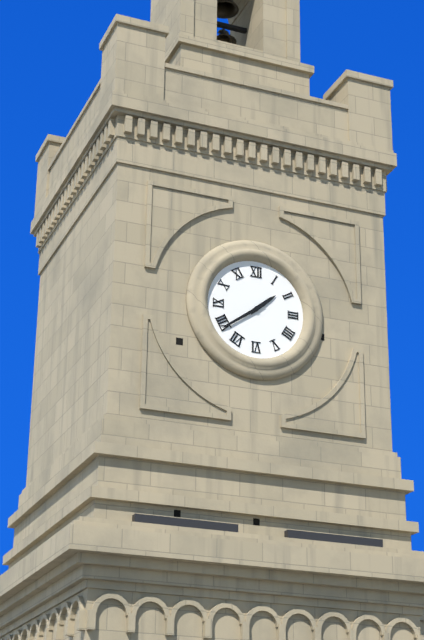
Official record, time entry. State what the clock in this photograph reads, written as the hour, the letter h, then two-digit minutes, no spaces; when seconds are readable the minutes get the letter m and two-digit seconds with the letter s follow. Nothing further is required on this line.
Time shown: 1h39
